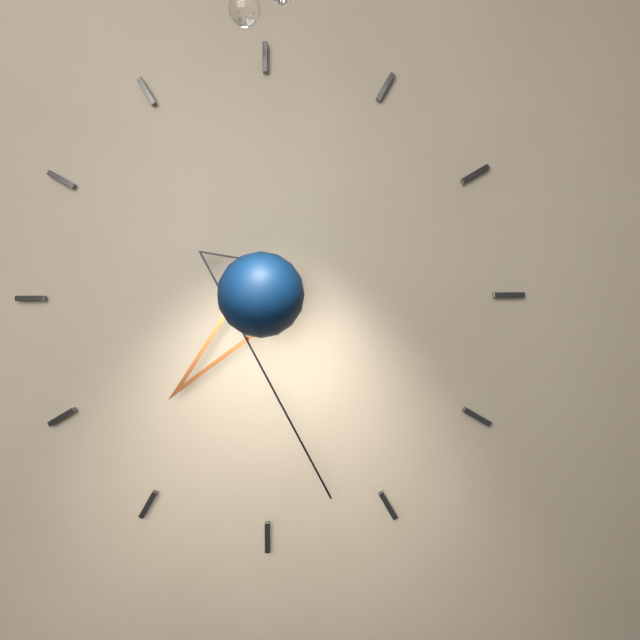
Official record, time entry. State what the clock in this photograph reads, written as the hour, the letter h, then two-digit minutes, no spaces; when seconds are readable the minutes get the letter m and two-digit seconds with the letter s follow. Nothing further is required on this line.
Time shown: 7h27
